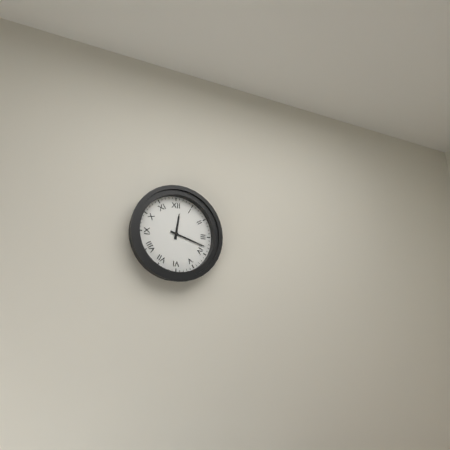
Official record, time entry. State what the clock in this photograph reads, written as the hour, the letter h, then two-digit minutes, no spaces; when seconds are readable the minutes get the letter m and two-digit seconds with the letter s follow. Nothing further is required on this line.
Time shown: 12h18
